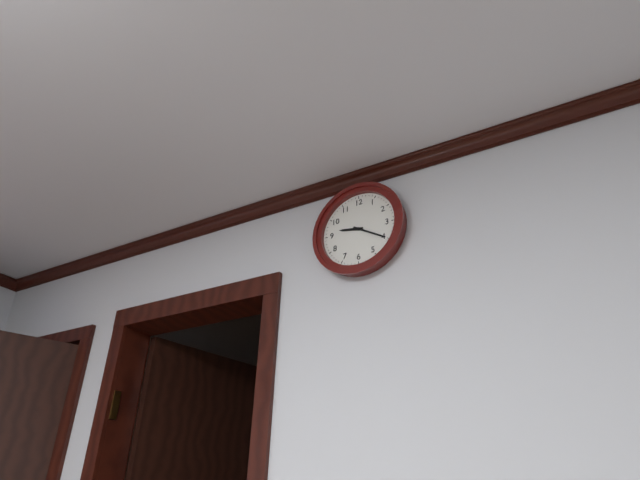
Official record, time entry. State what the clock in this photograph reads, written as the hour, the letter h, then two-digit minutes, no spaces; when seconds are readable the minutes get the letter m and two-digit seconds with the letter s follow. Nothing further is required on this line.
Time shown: 9h20
